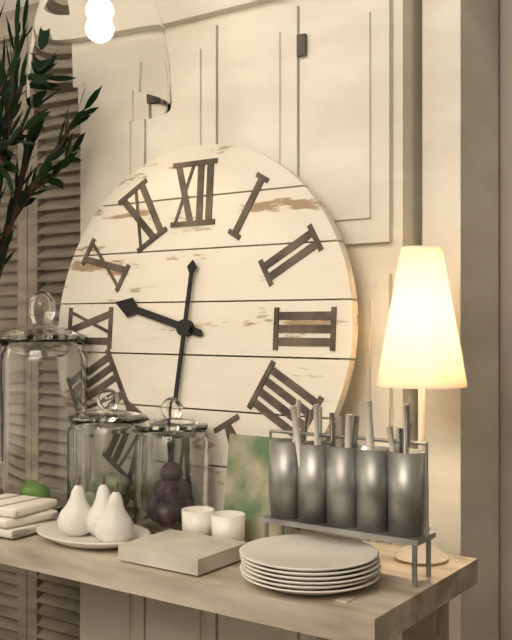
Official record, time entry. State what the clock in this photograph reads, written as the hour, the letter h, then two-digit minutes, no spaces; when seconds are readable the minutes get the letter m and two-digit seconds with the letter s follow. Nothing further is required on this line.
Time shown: 9h31
